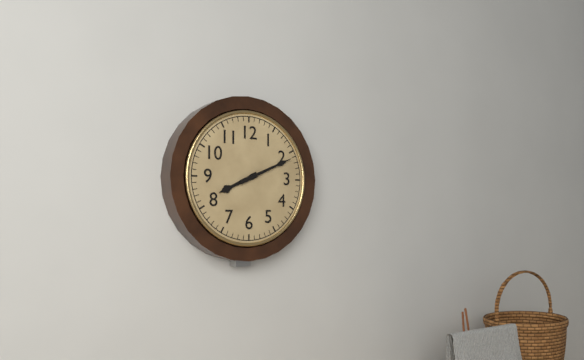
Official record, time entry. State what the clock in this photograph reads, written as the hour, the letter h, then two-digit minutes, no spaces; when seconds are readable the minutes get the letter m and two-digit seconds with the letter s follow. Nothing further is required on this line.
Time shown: 8h11
